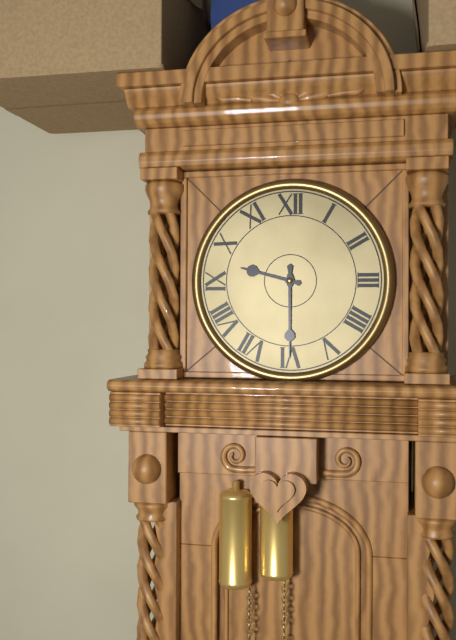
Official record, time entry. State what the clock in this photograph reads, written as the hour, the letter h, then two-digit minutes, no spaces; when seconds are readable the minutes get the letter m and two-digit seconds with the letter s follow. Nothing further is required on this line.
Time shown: 9h30
